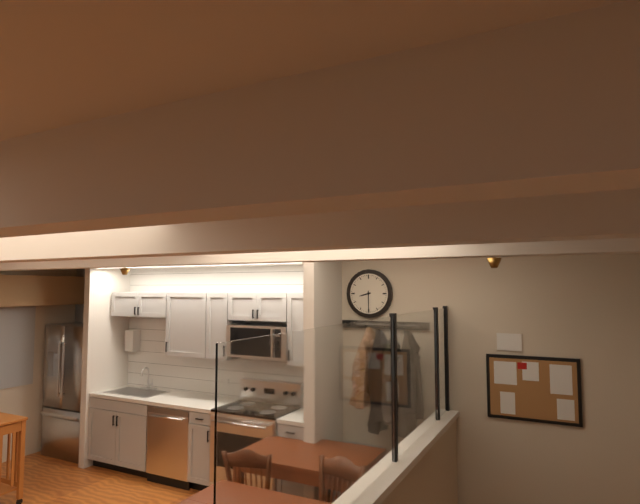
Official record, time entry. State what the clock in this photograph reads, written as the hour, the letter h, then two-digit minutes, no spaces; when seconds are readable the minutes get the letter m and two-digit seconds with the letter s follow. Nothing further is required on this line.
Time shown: 8h30
